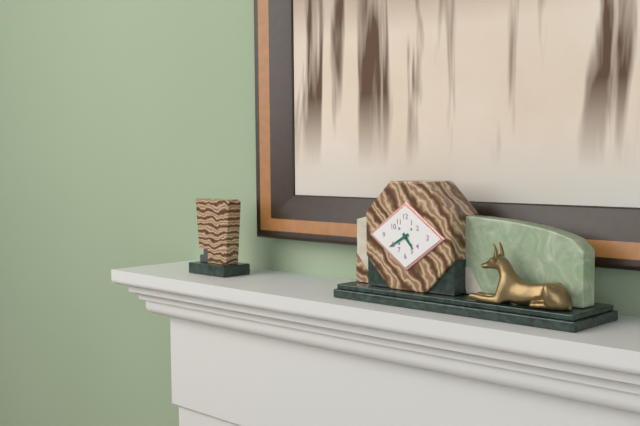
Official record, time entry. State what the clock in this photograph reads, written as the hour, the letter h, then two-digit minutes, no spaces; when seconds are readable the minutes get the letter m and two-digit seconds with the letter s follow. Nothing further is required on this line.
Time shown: 4h40
